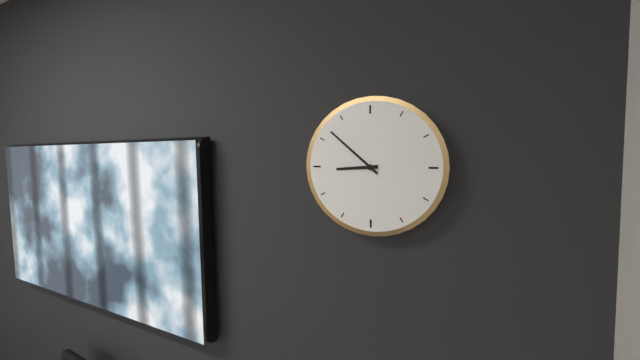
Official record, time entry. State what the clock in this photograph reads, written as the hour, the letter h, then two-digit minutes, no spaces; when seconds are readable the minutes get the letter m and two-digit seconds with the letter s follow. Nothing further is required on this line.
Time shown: 8h52
